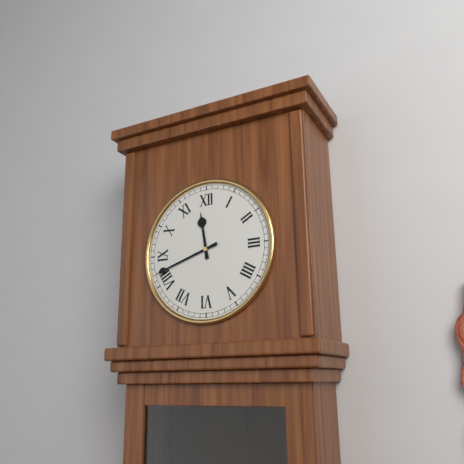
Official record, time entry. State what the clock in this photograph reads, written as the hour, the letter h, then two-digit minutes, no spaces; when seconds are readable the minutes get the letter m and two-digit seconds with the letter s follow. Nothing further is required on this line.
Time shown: 11h42
